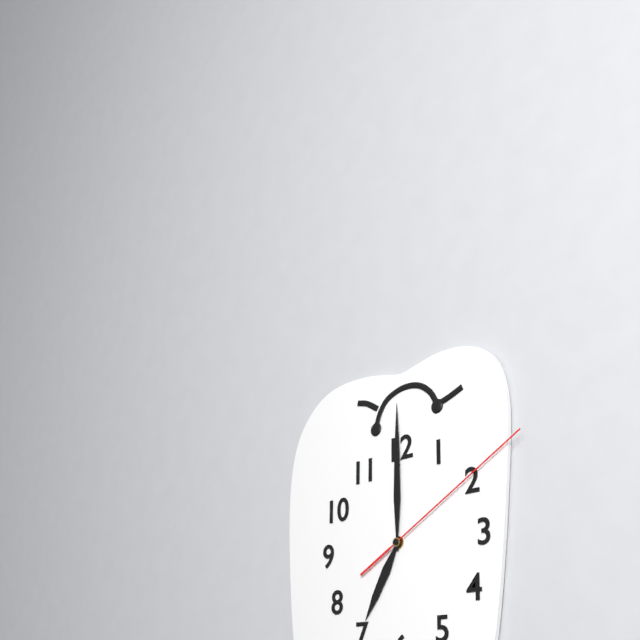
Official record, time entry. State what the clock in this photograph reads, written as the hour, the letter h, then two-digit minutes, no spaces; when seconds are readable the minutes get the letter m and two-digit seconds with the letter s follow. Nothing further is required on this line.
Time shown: 7h00m10s
